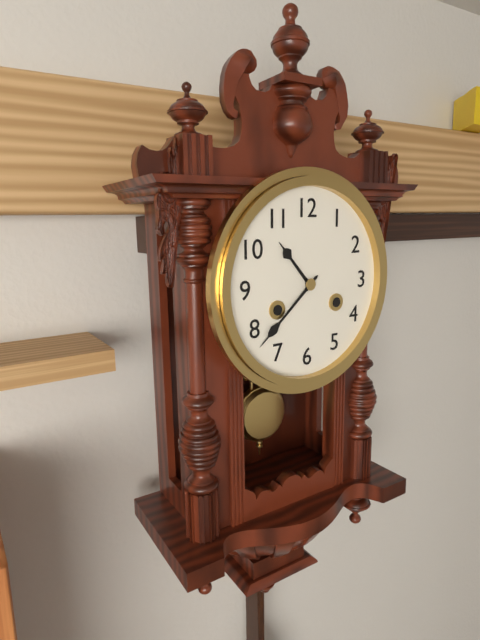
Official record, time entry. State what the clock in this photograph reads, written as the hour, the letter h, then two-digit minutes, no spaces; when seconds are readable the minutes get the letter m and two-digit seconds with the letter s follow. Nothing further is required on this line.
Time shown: 10h38
